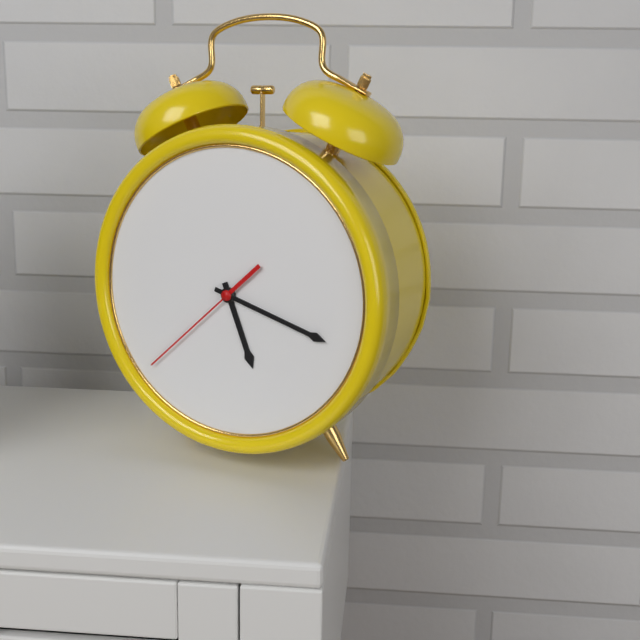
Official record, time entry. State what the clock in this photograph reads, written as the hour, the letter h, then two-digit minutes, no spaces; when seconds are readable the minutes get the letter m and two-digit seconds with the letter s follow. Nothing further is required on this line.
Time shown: 5h18m38s
